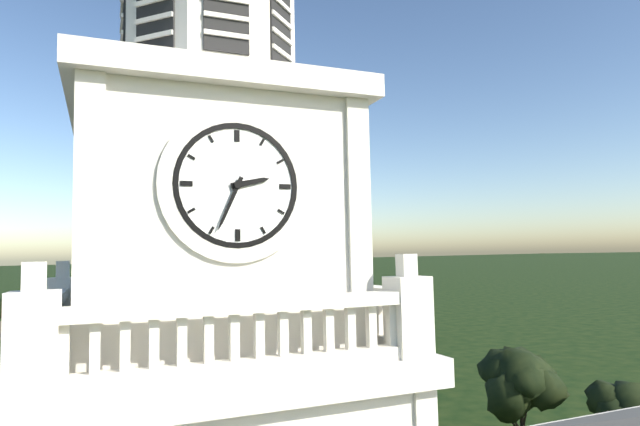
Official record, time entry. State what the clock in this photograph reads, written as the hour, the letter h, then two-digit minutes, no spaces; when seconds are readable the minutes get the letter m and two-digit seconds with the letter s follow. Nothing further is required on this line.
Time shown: 2h34
